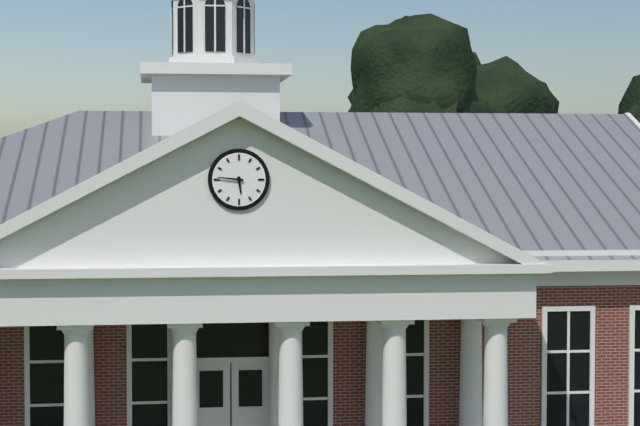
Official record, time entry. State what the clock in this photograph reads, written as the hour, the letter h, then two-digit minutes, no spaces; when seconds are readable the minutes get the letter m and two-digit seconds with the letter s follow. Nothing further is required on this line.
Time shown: 5h46
